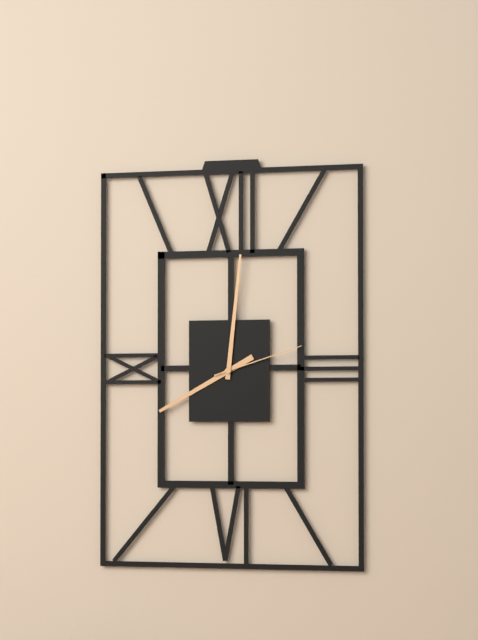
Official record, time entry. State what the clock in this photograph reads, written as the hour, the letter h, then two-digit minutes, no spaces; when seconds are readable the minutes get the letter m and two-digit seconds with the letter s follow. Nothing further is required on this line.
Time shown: 8h01m12s
